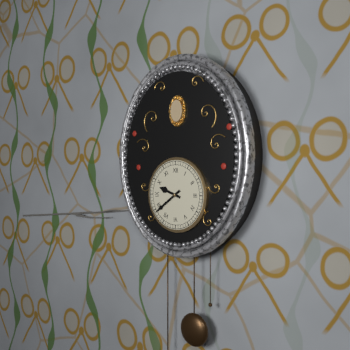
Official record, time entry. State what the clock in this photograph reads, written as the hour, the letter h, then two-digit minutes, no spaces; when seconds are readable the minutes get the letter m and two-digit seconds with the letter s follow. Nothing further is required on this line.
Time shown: 9h39
